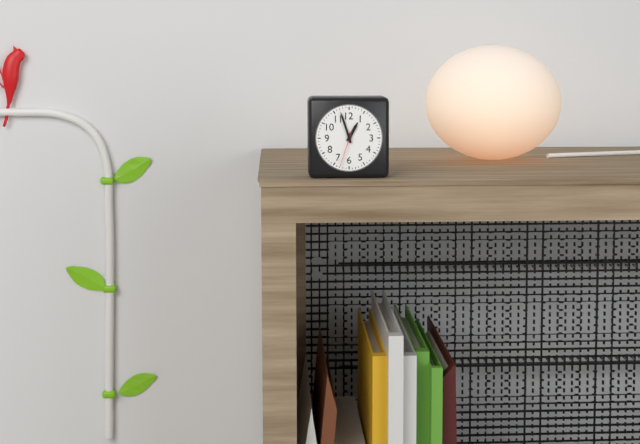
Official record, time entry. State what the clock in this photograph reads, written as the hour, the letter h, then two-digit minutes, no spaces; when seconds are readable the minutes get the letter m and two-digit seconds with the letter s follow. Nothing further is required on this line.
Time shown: 12h57
